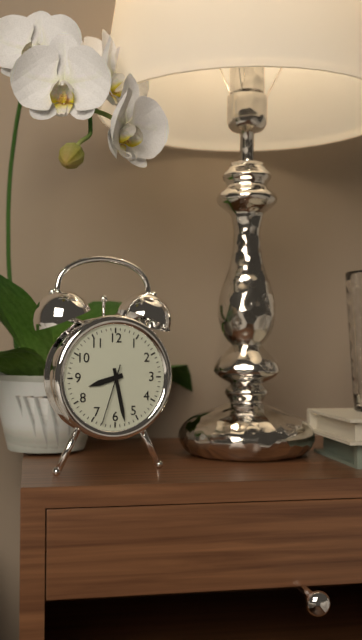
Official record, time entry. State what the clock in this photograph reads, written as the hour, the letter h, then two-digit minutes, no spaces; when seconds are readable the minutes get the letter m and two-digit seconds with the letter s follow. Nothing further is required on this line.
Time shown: 8h28m33s
